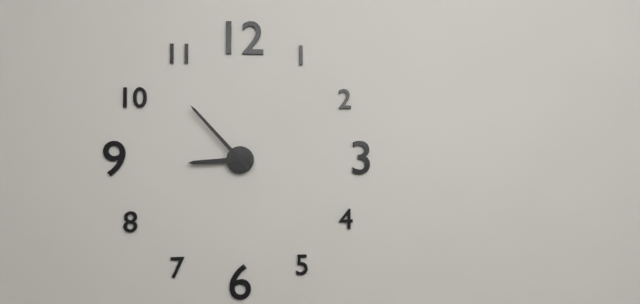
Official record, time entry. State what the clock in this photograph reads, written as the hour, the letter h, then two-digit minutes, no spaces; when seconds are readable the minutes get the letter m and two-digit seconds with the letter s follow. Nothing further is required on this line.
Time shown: 8h53
